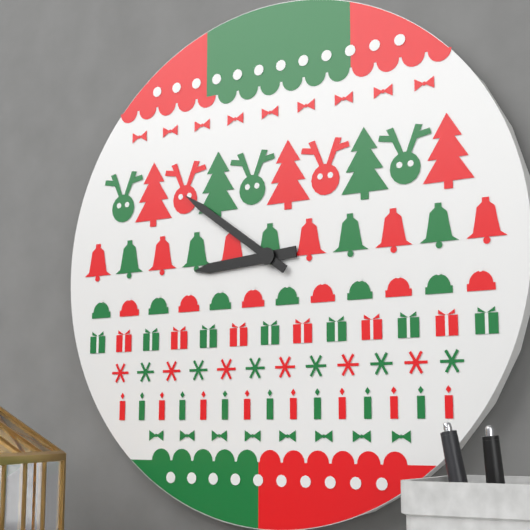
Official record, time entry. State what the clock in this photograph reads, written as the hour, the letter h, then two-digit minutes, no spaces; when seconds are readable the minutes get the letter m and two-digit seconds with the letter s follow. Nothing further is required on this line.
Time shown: 8h51
